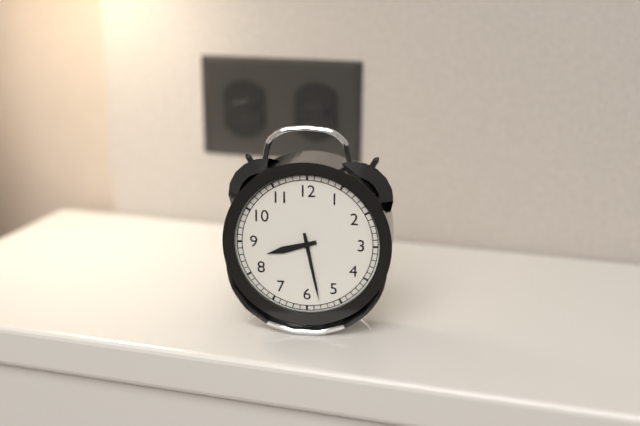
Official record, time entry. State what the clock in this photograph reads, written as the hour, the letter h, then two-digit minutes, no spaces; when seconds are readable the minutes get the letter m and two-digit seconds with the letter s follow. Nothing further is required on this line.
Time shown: 8h28
